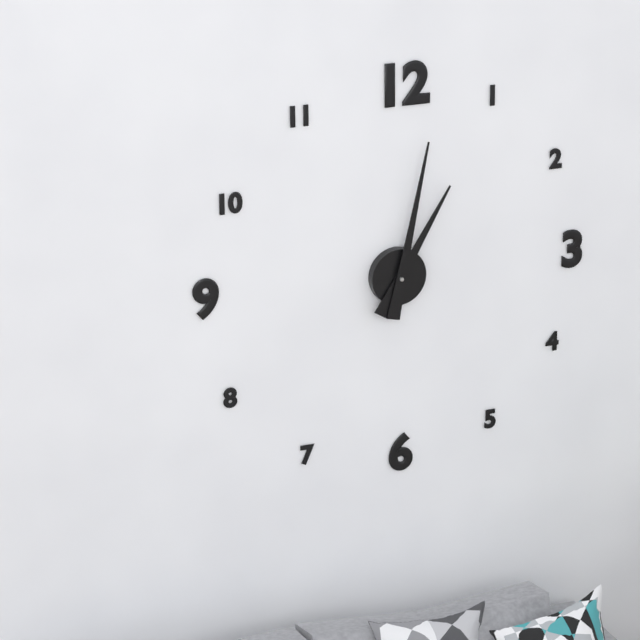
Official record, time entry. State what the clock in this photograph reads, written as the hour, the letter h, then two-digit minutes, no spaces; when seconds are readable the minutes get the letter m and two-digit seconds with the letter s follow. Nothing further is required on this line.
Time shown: 1h02
